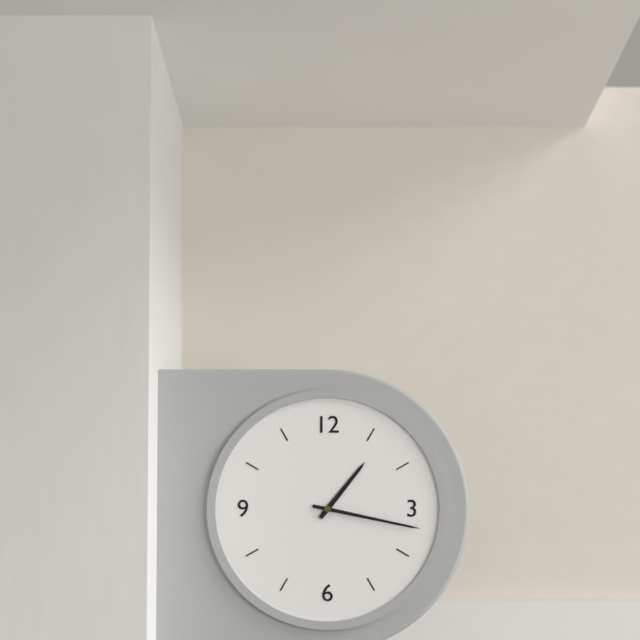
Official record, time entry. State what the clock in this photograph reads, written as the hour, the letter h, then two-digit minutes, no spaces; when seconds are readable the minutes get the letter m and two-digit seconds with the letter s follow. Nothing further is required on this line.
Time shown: 1h17
